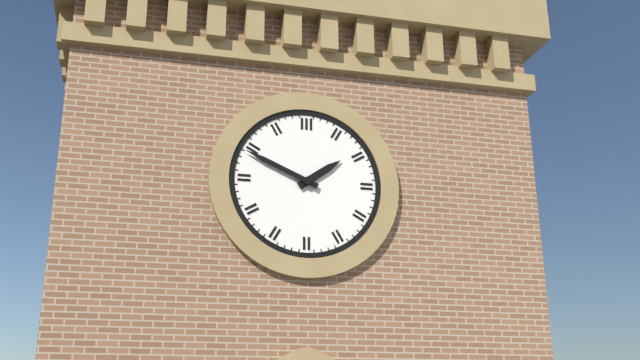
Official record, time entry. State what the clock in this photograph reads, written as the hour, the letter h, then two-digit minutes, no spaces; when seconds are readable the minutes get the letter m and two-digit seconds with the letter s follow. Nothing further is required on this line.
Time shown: 1h49
